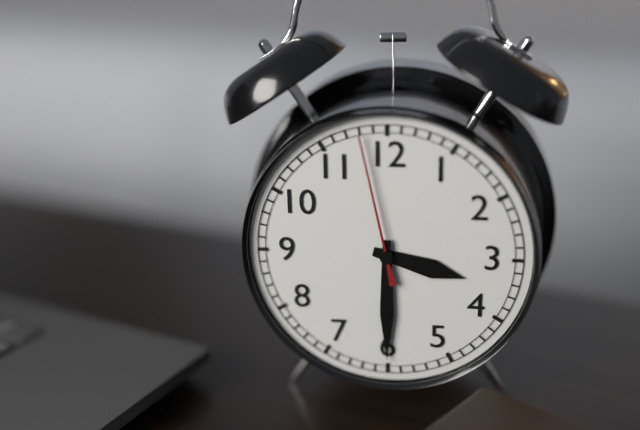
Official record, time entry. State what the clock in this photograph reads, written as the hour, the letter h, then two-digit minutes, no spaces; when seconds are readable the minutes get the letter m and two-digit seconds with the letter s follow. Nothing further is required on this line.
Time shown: 3h30m58s
